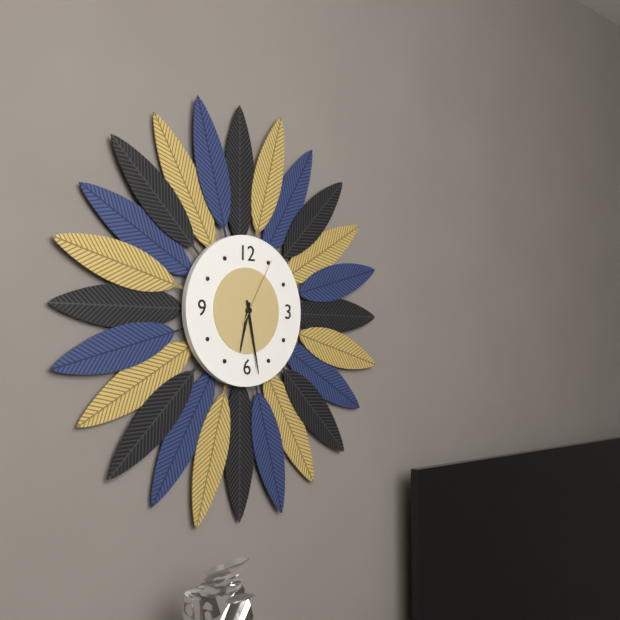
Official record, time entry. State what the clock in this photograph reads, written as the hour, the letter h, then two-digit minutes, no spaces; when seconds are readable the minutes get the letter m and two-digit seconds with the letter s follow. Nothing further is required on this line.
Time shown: 6h28m05s
